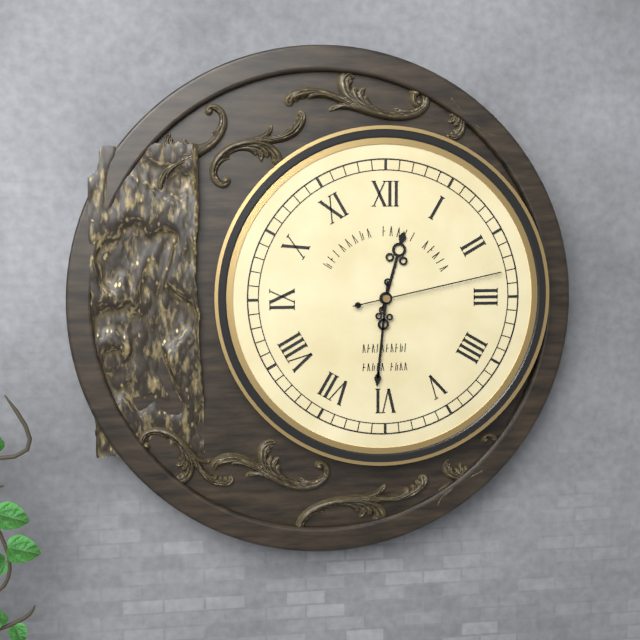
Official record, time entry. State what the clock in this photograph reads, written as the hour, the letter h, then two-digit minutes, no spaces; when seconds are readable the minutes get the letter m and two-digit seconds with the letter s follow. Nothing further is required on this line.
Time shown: 12h31m13s
